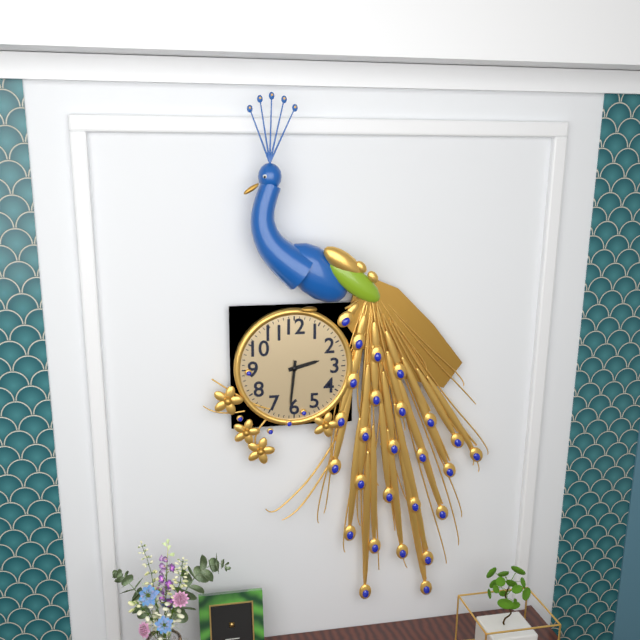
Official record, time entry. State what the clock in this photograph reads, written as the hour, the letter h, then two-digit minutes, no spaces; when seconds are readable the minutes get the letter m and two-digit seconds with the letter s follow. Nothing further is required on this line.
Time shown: 2h31
